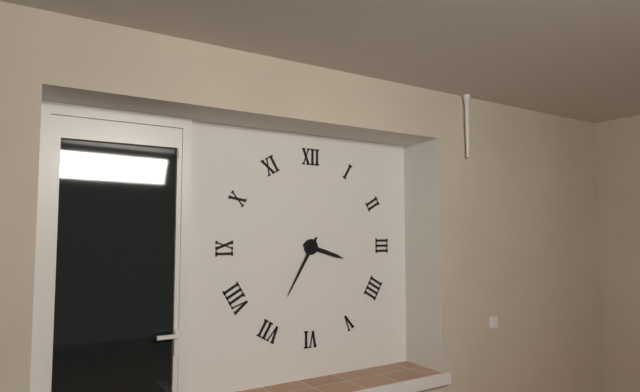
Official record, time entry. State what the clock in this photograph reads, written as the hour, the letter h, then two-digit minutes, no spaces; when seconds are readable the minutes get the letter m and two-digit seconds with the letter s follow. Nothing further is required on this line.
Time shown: 3h35
